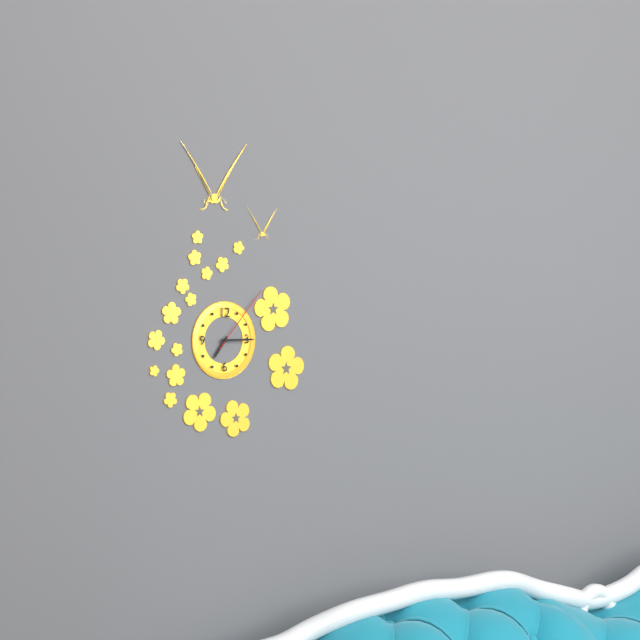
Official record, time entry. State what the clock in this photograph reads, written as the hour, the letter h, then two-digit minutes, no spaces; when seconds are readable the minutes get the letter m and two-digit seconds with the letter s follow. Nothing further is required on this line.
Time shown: 7h15m07s
